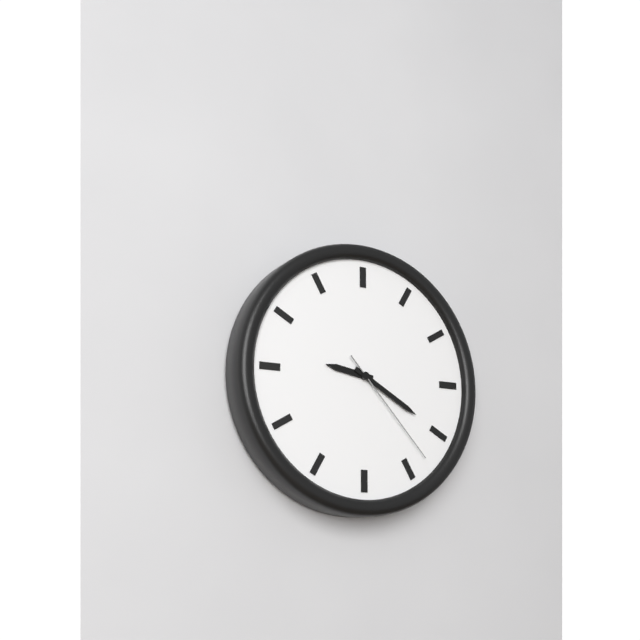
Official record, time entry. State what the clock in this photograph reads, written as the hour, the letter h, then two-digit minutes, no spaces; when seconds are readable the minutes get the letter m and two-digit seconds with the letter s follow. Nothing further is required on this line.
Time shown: 9h20m23s
